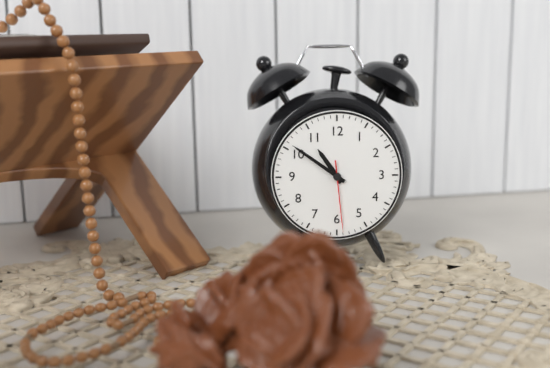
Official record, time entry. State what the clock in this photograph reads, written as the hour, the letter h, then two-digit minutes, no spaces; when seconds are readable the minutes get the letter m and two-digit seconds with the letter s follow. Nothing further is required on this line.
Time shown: 10h51m29s
